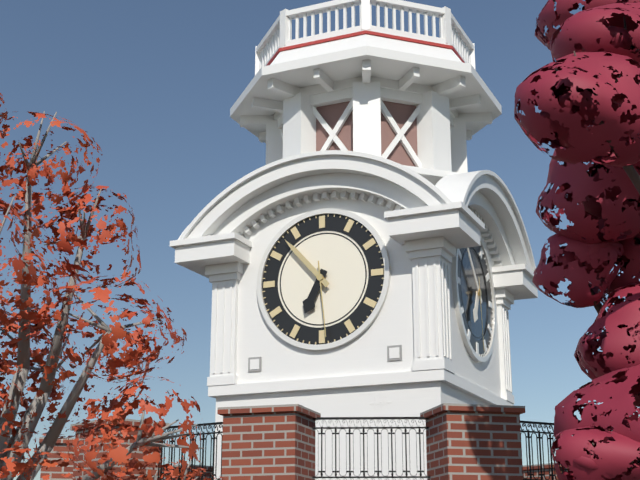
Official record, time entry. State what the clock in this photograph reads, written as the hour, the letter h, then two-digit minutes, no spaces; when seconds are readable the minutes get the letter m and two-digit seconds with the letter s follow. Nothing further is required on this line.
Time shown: 6h53m29s
